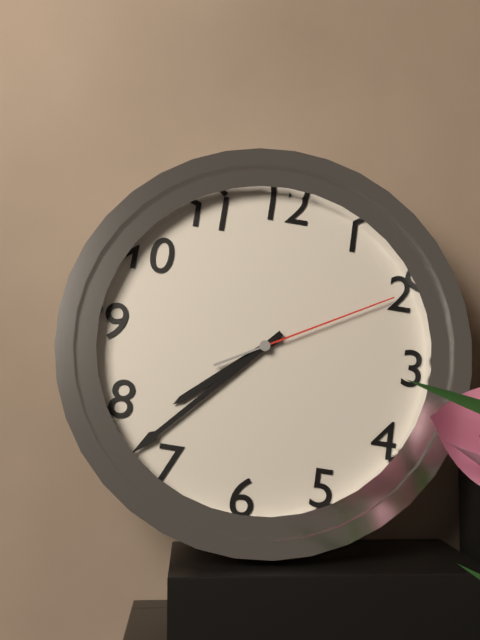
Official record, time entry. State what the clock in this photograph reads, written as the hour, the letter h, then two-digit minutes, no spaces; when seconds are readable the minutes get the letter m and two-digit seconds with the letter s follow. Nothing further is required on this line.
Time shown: 7h37m10s
